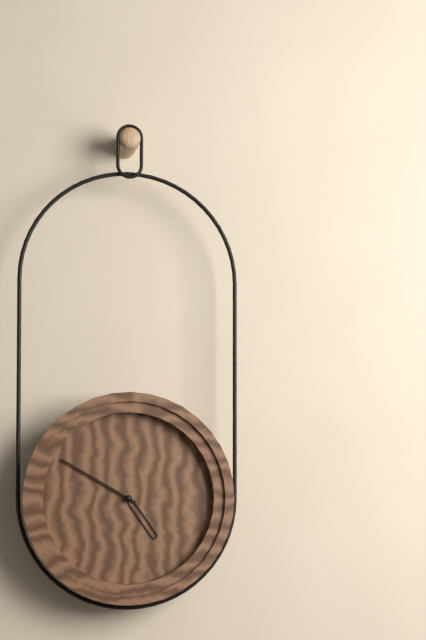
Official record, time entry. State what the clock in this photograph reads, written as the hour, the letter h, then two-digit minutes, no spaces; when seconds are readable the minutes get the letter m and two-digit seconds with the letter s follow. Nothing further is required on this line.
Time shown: 4h50
